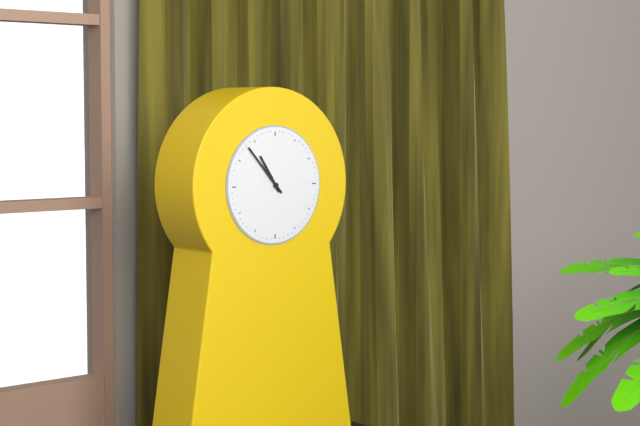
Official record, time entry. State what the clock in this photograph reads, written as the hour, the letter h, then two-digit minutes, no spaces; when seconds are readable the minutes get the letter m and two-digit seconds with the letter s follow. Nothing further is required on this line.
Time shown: 10h53
